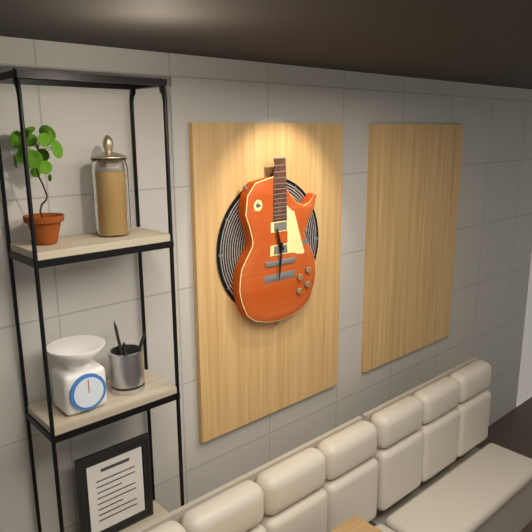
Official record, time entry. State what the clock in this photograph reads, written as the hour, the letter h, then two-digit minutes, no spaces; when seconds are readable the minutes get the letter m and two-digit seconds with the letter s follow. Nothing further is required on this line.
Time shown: 11h31
